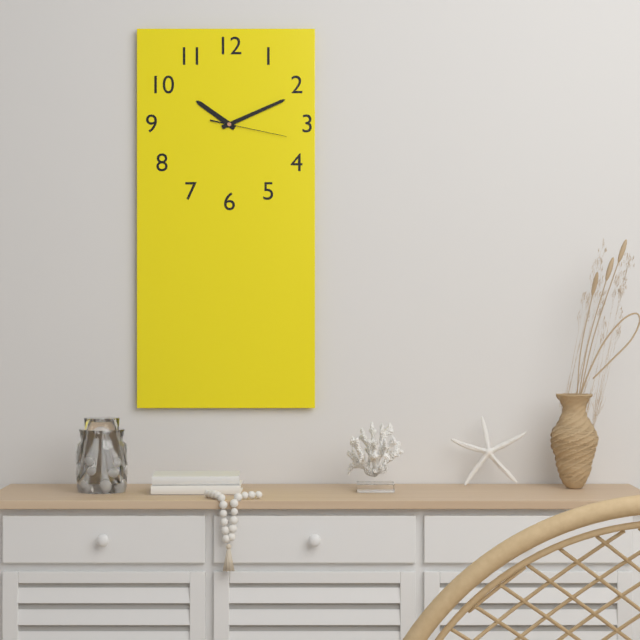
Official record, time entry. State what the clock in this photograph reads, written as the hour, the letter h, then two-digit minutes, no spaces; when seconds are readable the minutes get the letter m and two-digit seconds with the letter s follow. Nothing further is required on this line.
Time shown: 10h11m17s
